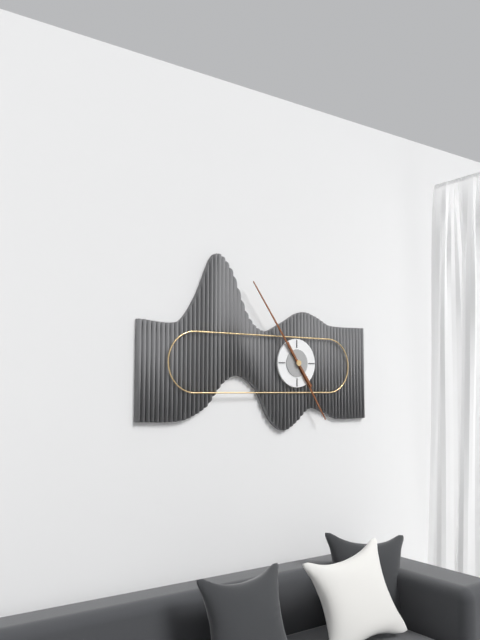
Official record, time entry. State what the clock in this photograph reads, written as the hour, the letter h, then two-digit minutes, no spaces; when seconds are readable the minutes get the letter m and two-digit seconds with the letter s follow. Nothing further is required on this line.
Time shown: 4h54
